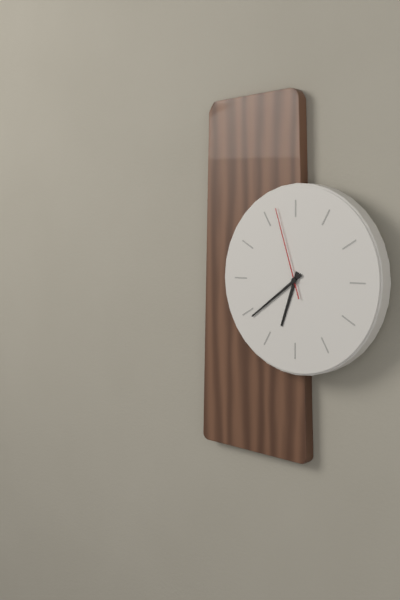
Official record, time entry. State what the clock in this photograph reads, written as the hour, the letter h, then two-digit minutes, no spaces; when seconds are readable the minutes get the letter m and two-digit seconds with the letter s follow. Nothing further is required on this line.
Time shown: 6h39m57s
